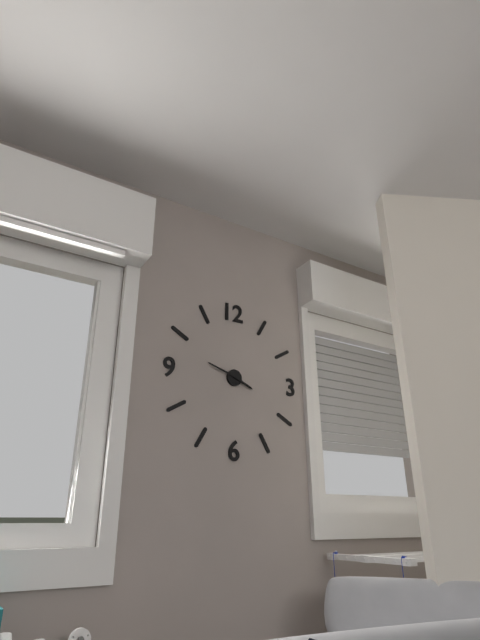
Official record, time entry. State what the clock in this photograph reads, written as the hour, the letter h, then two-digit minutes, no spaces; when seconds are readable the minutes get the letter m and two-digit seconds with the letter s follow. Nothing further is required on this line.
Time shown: 3h48
